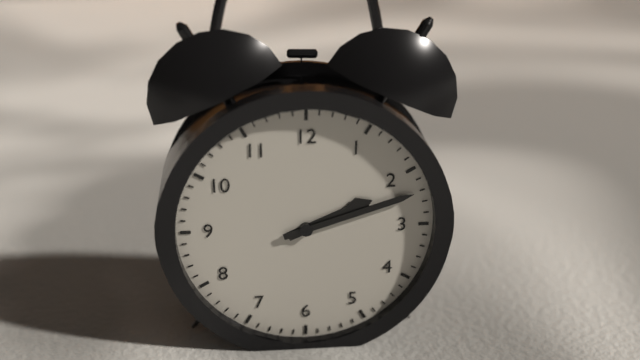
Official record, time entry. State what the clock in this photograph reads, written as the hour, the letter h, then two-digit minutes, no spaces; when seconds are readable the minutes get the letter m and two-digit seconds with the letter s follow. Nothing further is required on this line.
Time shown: 2h12
